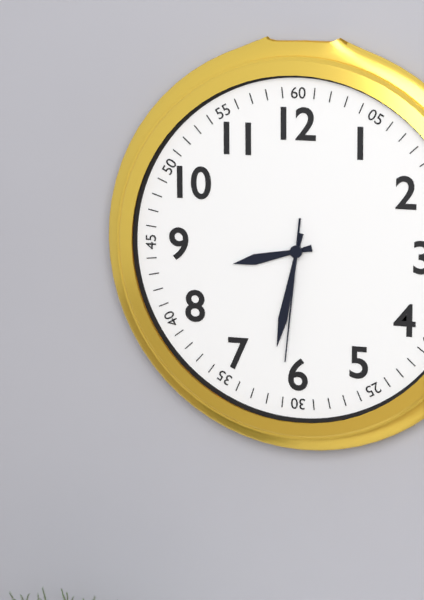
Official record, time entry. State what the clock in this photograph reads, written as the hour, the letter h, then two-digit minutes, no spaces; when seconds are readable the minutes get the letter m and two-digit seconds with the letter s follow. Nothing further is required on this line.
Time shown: 8h32m31s
